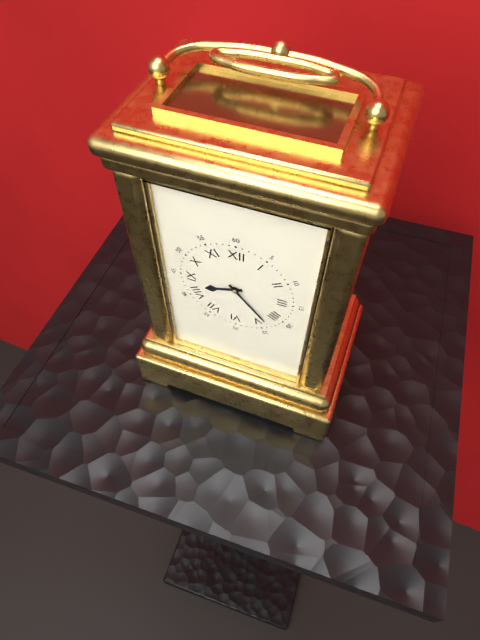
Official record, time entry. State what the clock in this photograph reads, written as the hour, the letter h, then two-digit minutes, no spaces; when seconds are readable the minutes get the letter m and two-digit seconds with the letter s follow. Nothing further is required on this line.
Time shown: 8h23
